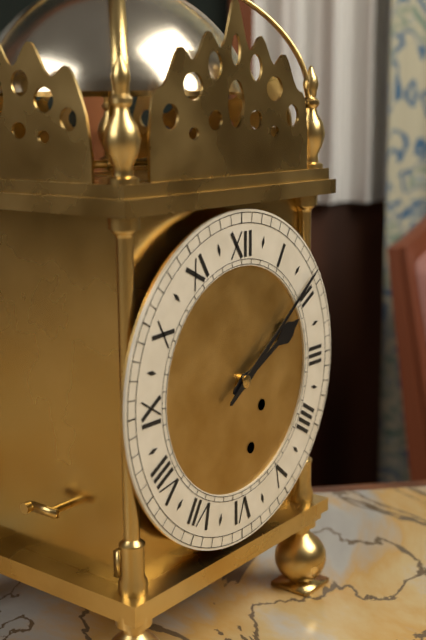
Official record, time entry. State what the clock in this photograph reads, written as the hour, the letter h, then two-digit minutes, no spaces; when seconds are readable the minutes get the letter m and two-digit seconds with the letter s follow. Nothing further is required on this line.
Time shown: 2h09
